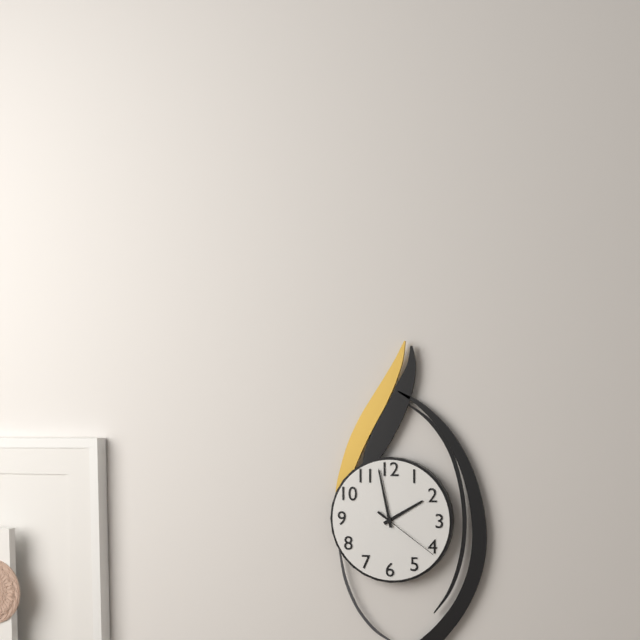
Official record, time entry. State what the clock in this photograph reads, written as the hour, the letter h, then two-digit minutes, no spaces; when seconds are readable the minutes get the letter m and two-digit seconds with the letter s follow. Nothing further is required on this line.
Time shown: 1h58m21s
